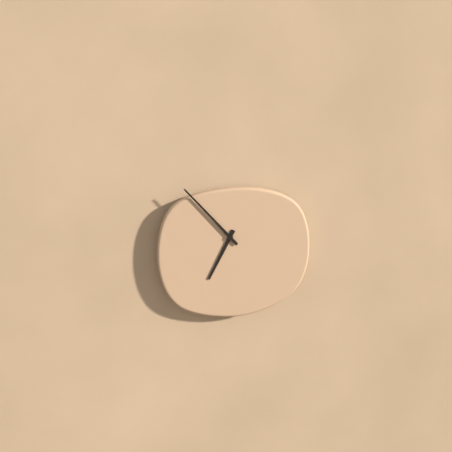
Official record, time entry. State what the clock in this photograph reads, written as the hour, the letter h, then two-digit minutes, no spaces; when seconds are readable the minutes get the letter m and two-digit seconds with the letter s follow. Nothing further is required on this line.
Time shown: 6h53
